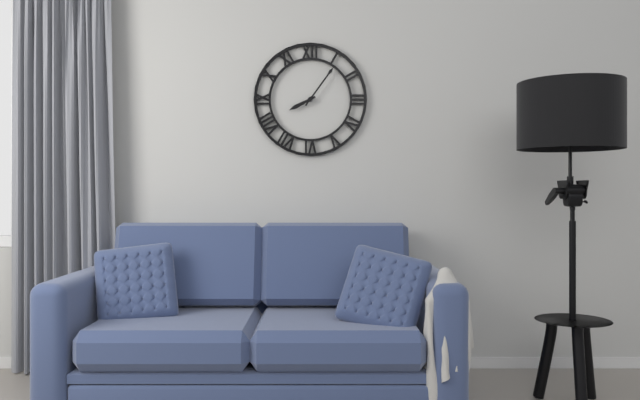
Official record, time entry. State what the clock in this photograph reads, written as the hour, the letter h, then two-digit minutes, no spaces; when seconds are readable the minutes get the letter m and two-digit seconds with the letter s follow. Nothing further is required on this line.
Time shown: 8h06
